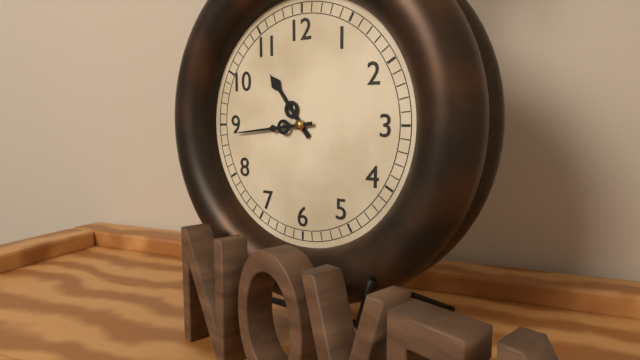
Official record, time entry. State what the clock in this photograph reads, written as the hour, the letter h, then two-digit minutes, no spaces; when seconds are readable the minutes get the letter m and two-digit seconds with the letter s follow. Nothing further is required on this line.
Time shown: 10h44
